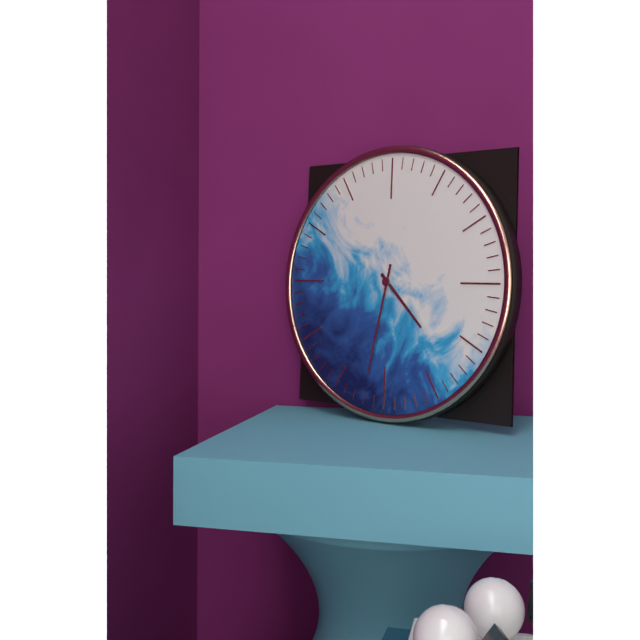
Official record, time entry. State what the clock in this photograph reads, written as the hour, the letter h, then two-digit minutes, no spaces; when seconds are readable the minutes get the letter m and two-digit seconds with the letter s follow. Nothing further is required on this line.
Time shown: 4h32
